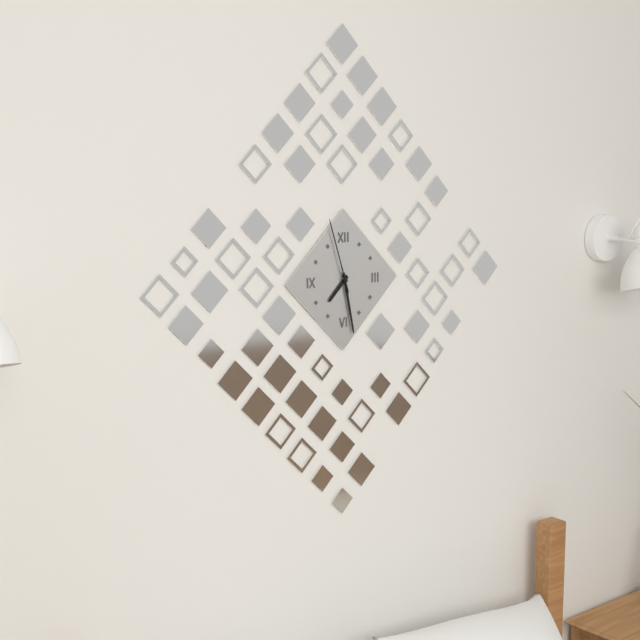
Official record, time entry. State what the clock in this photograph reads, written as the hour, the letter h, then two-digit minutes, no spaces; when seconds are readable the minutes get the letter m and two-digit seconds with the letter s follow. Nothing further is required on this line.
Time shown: 7h28m57s
